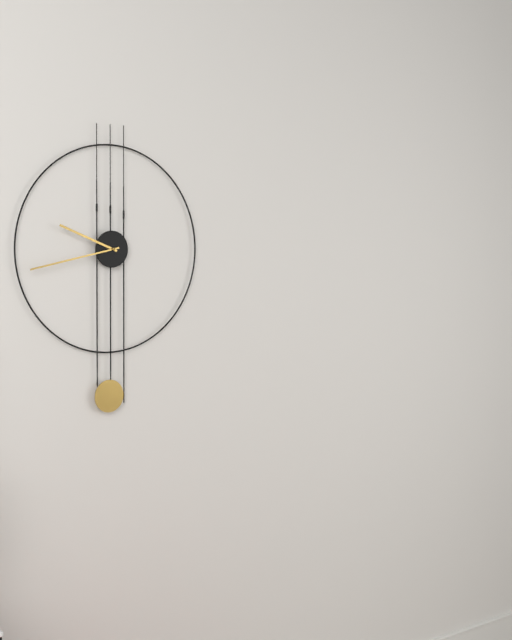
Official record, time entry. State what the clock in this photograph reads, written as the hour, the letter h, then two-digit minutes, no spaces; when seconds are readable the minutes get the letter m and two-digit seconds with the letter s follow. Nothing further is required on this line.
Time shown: 9h43
